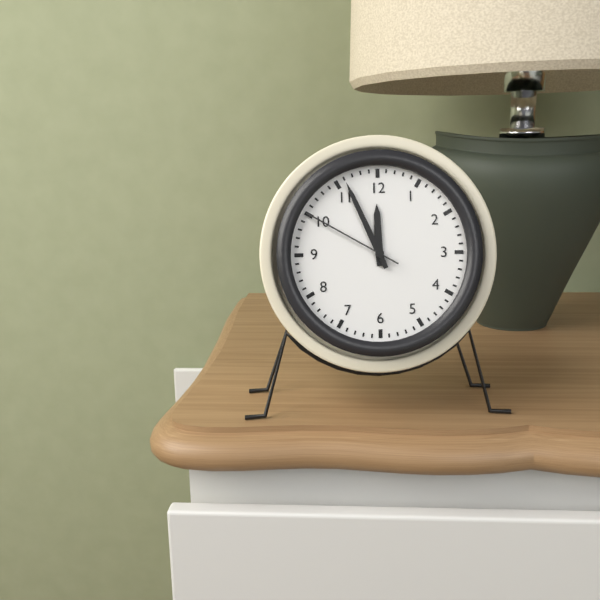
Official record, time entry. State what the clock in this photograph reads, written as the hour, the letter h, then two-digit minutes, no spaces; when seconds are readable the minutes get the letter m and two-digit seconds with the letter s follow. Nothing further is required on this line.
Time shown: 11h56m50s
